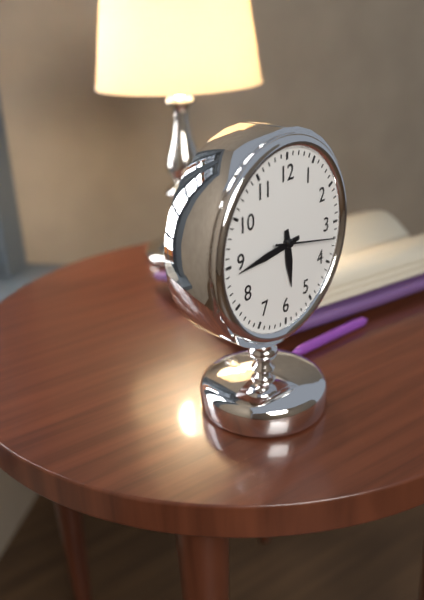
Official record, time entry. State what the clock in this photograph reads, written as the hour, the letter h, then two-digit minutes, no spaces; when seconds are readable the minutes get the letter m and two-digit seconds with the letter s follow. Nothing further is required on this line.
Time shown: 5h44m17s
